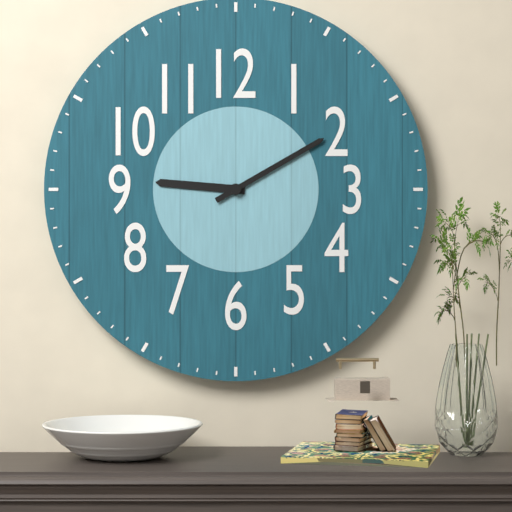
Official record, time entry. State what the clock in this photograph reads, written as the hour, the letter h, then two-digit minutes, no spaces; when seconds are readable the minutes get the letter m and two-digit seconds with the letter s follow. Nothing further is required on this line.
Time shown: 9h10
